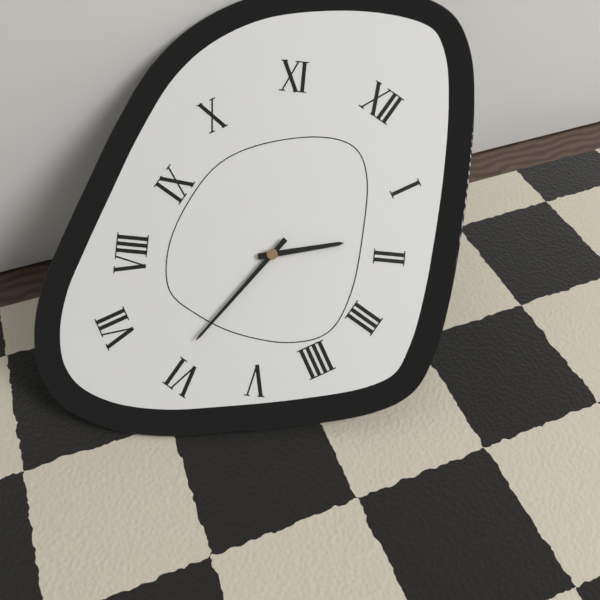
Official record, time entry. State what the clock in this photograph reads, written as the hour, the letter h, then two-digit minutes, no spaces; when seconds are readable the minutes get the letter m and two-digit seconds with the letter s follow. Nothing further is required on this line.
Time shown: 1h31
